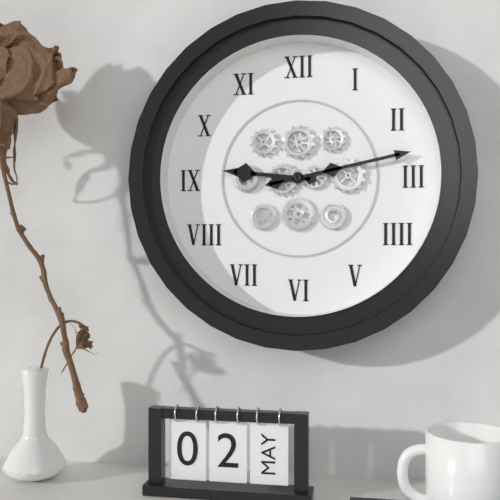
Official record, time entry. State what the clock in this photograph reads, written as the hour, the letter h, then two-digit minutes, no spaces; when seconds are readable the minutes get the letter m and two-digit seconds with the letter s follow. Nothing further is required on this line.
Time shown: 9h13
